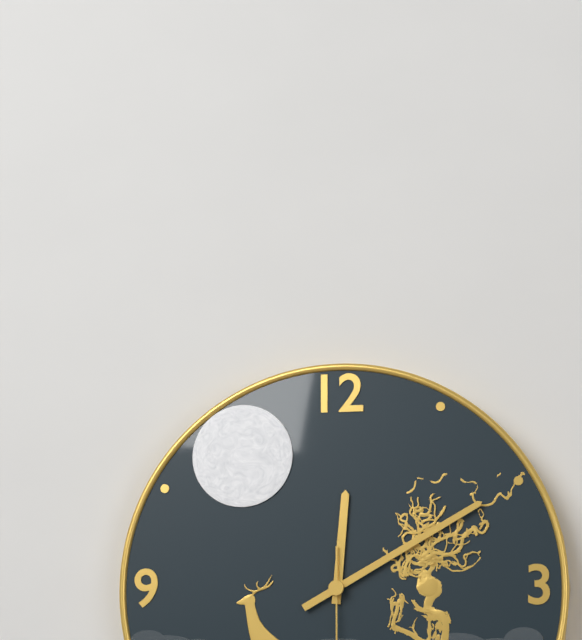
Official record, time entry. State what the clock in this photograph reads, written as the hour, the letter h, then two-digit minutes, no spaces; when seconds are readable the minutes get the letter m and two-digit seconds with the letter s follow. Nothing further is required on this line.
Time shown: 12h10
